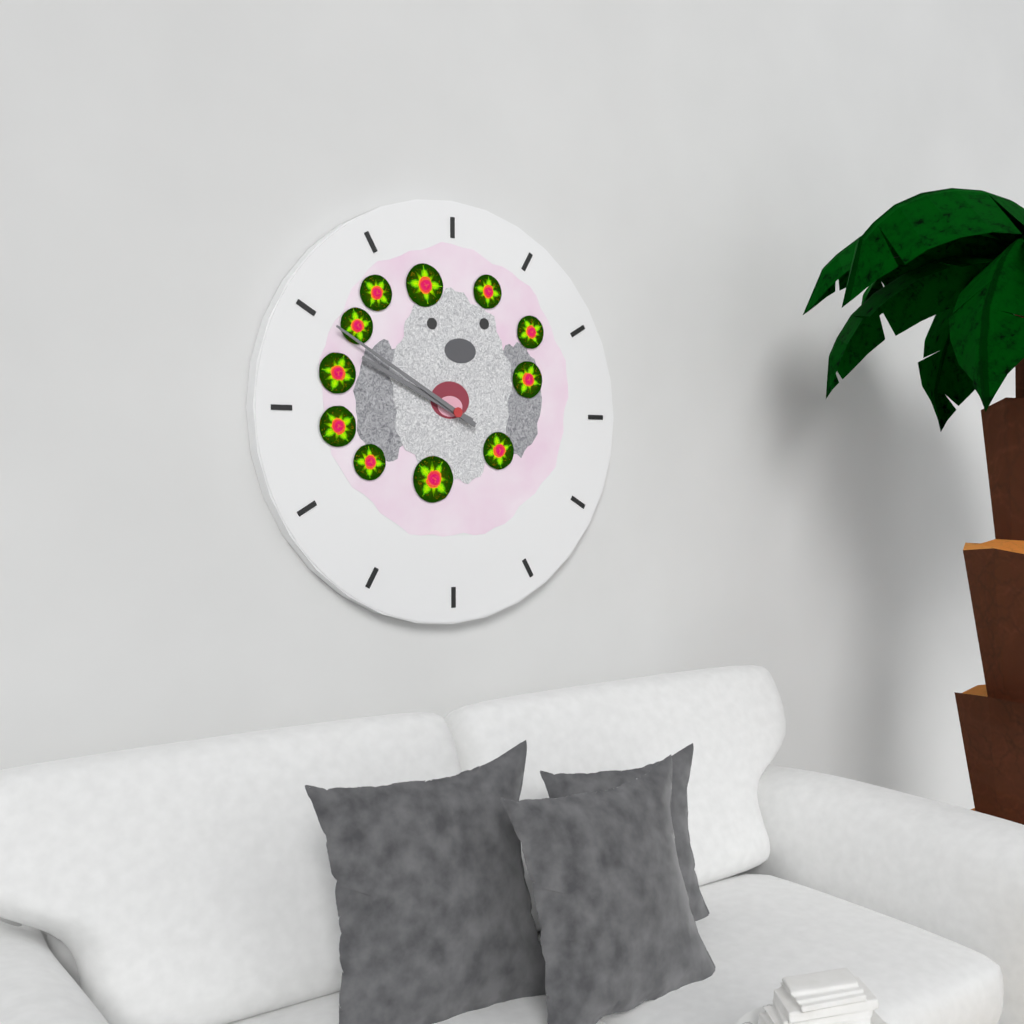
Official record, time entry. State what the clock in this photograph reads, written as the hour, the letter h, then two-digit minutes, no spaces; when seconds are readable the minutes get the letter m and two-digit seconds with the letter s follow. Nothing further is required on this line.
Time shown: 9h50
